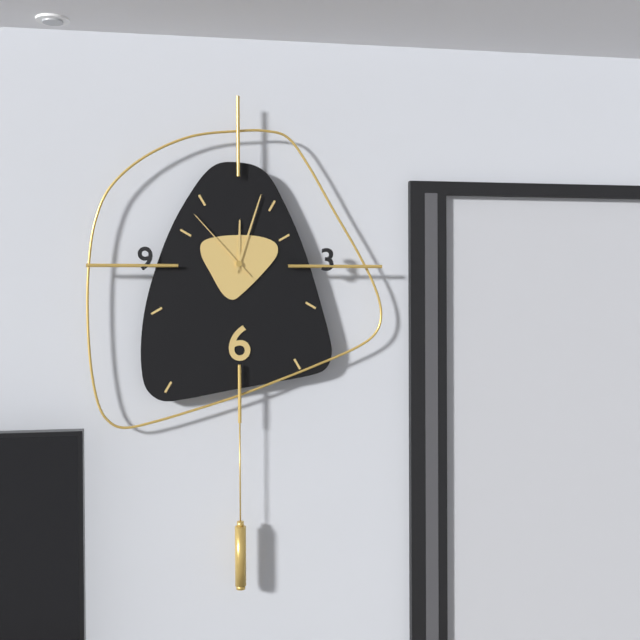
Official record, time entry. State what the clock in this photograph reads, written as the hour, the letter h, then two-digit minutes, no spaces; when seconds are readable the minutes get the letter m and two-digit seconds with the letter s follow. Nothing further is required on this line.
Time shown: 12h03m53s
